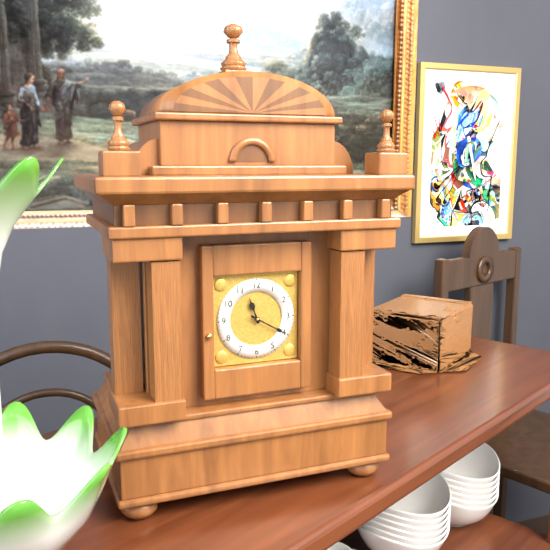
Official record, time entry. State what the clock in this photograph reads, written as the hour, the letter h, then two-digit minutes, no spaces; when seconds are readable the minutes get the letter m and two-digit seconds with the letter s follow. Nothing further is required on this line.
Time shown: 11h20
